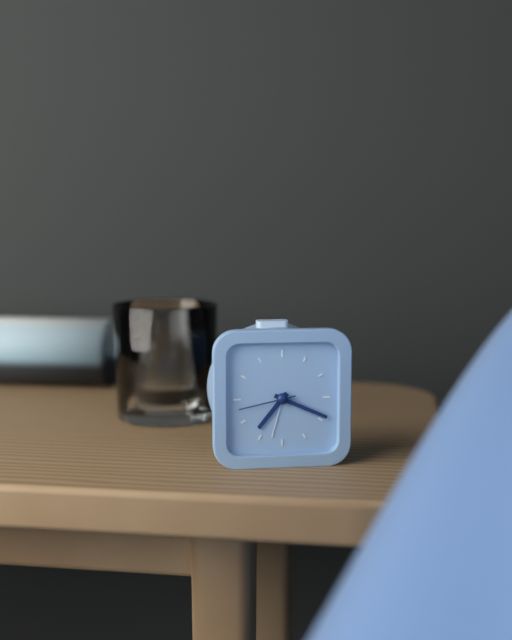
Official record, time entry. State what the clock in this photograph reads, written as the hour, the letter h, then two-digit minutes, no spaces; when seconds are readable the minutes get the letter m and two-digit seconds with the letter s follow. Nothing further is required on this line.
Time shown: 7h19m43s
